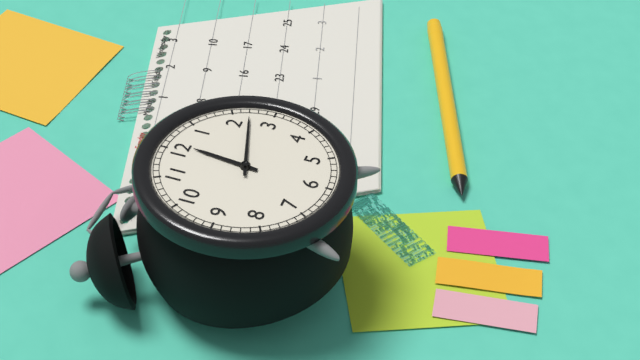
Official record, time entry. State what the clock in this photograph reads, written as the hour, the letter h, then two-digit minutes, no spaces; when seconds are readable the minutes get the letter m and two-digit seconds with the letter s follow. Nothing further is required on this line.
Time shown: 12h12
